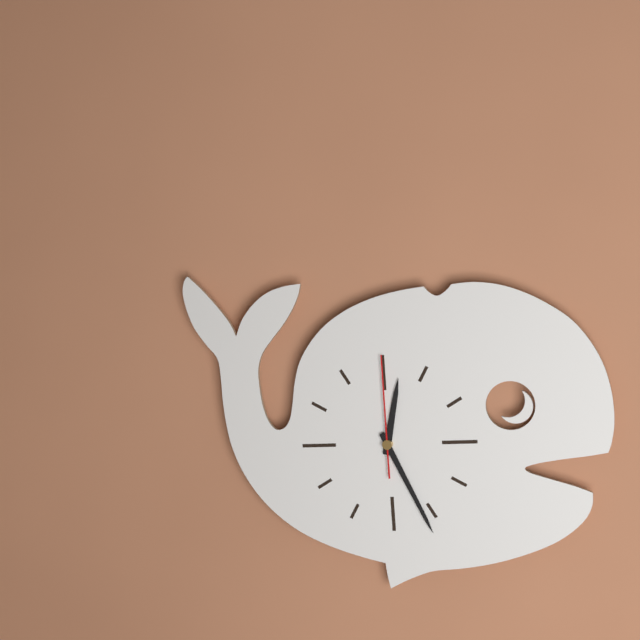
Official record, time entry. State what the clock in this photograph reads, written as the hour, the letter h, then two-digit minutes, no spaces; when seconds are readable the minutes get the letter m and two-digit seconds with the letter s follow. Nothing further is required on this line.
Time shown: 12h26m00s
